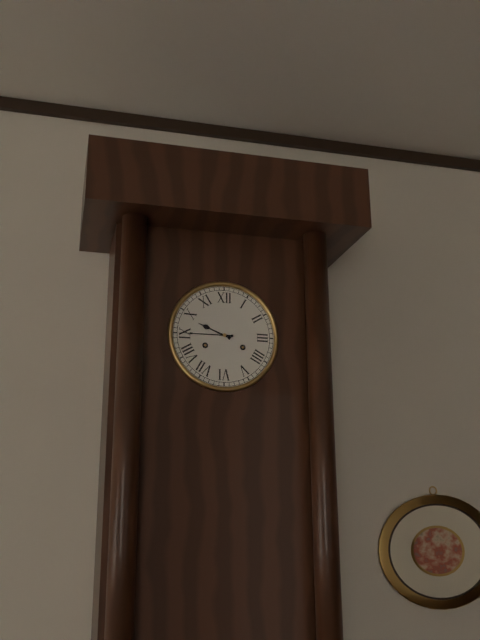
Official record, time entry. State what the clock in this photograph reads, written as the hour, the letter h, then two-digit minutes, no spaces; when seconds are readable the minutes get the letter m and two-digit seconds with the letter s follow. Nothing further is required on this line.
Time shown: 9h45
